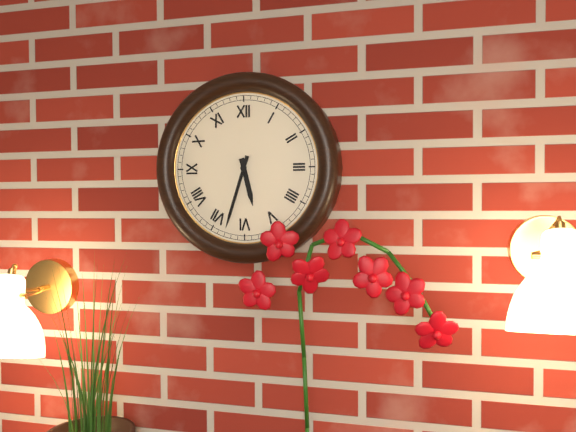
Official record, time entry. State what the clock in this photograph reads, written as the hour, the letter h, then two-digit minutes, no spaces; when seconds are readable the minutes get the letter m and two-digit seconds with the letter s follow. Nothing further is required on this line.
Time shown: 5h33
